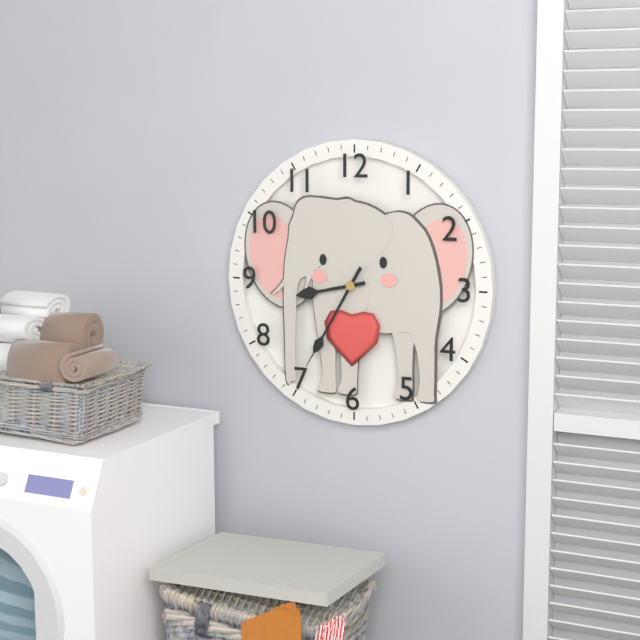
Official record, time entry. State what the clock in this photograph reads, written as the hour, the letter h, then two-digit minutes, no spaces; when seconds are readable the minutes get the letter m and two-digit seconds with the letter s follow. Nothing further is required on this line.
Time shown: 8h35
